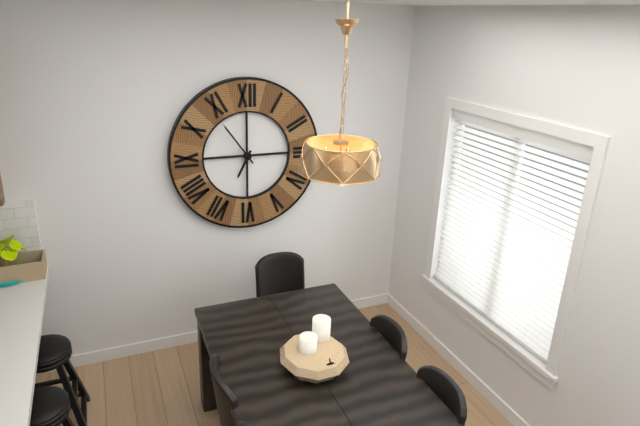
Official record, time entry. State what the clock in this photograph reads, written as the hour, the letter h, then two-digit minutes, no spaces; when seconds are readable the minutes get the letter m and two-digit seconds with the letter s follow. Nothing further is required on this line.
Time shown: 6h54
